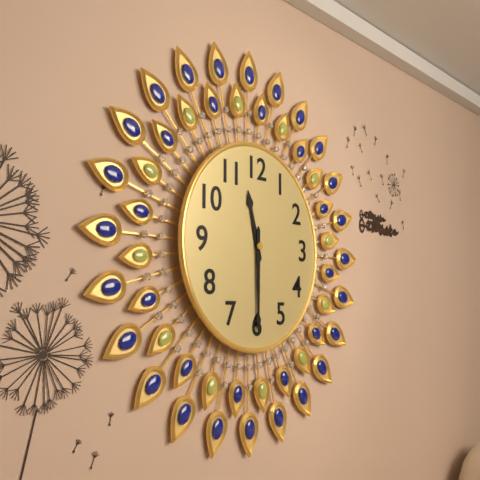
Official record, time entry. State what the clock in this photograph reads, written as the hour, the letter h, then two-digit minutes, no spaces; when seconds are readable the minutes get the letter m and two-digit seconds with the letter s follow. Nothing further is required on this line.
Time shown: 11h30
